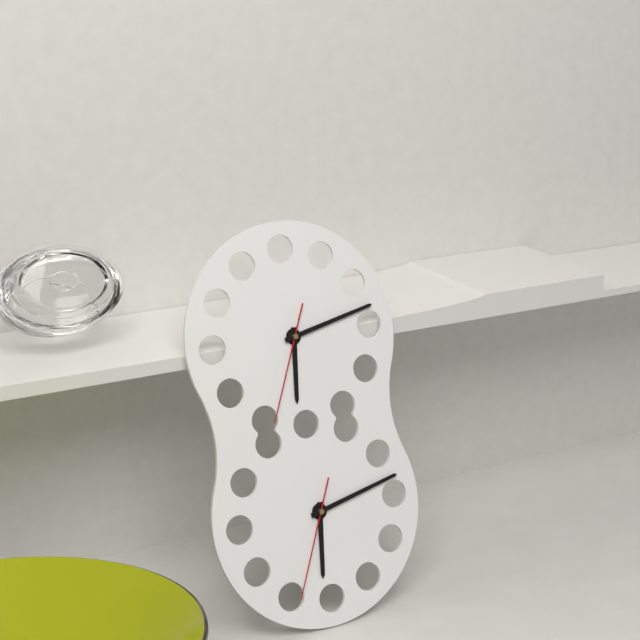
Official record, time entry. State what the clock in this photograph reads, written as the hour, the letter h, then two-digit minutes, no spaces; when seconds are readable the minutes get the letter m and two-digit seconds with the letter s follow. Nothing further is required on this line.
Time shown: 6h13m34s
